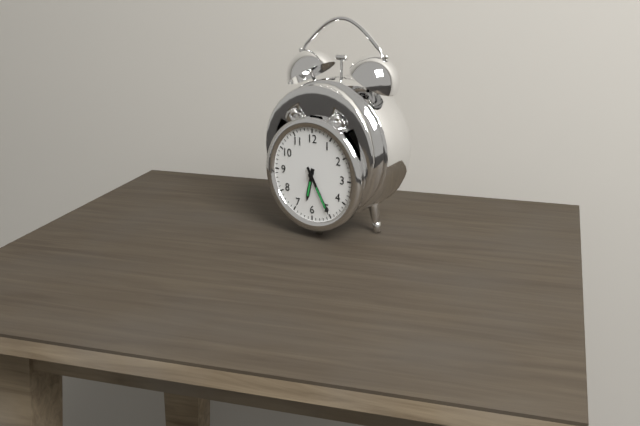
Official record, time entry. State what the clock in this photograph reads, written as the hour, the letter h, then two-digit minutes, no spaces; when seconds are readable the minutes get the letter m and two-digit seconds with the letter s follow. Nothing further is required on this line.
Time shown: 6h25
